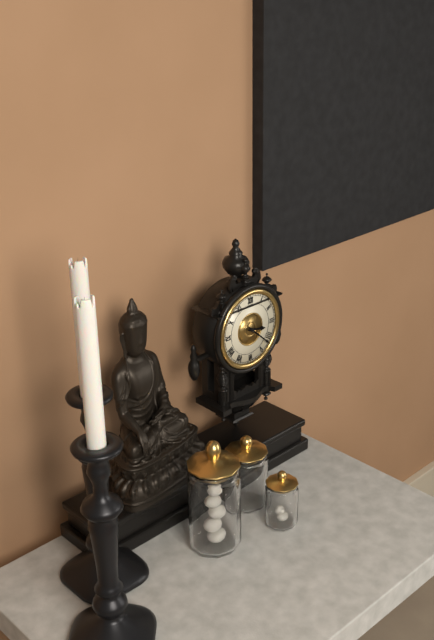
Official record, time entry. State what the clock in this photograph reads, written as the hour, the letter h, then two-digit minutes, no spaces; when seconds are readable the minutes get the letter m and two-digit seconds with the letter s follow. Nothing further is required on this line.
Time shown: 3h22
